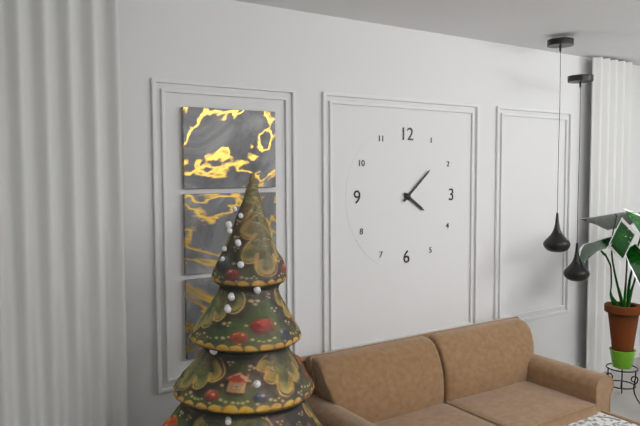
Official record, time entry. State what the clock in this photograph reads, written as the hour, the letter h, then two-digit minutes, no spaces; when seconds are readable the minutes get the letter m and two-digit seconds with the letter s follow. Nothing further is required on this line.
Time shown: 4h08
